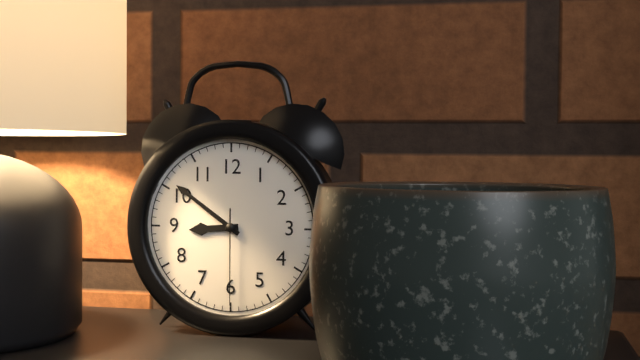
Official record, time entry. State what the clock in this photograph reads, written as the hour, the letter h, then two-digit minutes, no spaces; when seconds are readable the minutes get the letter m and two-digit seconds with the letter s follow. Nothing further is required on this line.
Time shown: 8h51m30s
